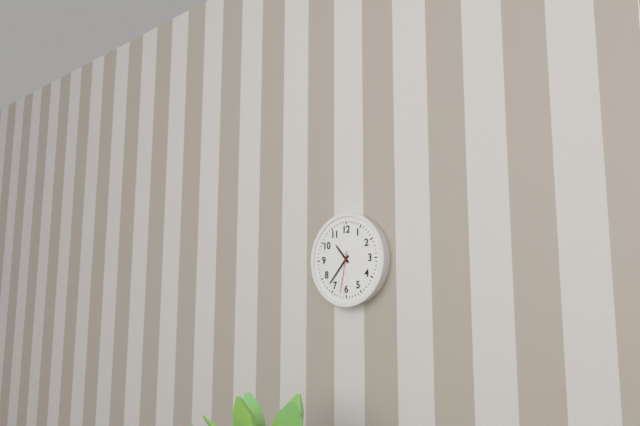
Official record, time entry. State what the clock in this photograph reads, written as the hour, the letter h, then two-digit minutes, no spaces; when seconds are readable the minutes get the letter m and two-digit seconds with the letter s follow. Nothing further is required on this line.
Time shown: 10h37
